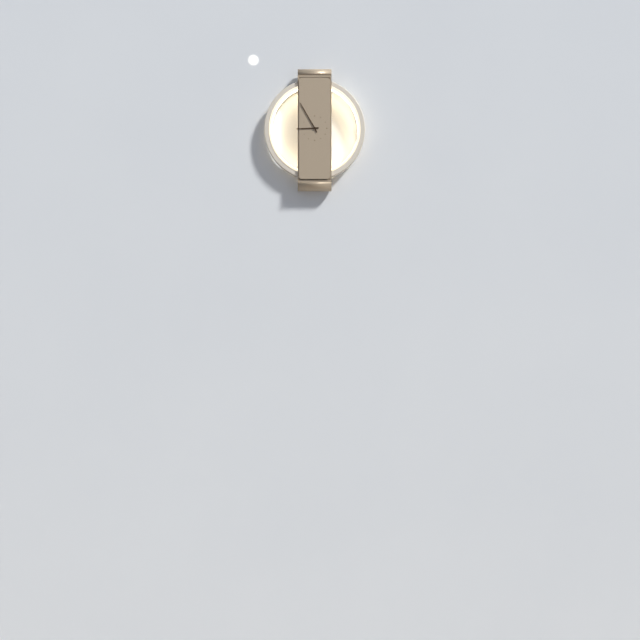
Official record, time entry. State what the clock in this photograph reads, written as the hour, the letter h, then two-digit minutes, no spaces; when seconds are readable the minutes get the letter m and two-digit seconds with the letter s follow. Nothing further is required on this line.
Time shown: 8h55
